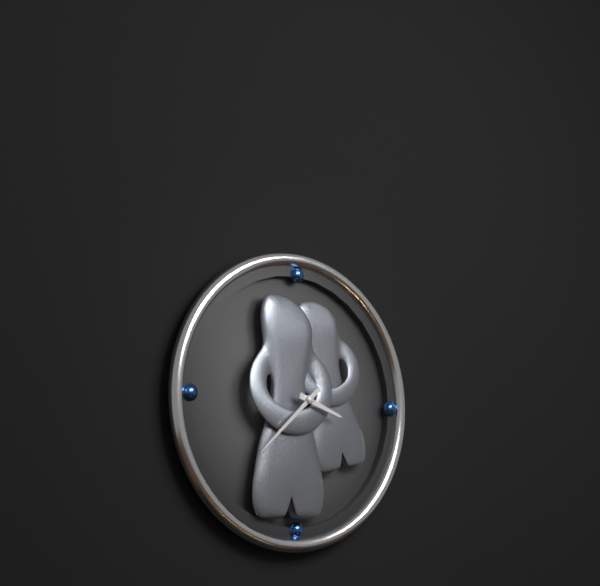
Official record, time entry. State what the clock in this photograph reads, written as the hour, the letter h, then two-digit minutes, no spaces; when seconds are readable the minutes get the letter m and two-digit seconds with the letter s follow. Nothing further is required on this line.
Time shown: 3h38
